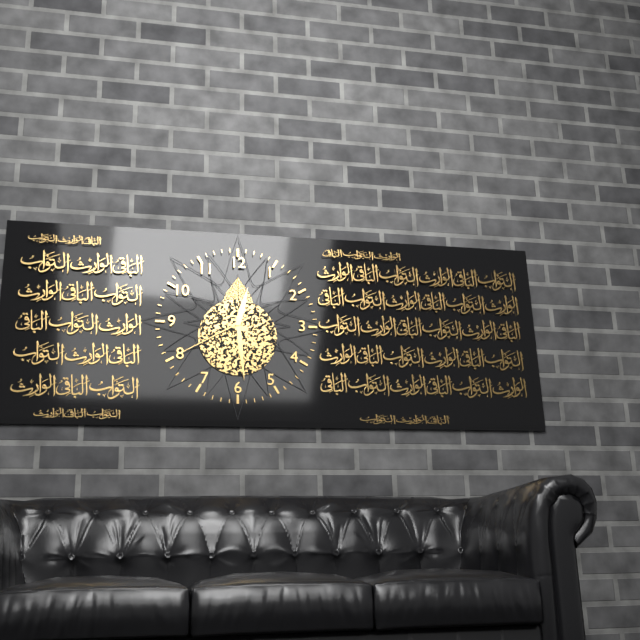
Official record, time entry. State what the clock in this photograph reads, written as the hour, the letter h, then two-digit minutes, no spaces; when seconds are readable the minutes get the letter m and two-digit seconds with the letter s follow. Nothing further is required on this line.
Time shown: 12h29m40s
